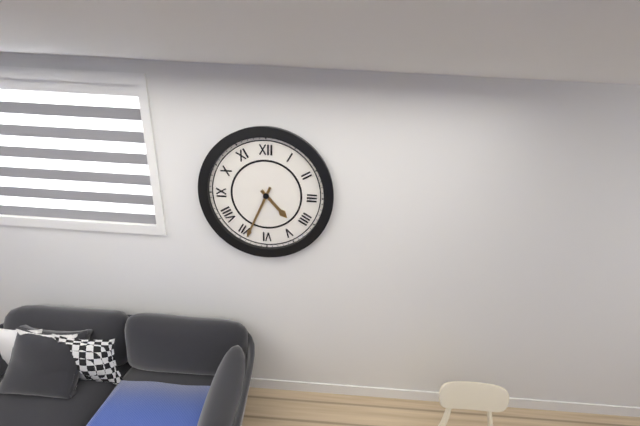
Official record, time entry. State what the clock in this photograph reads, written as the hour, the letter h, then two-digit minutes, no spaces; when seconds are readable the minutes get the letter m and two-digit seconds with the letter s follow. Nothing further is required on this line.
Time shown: 4h34
